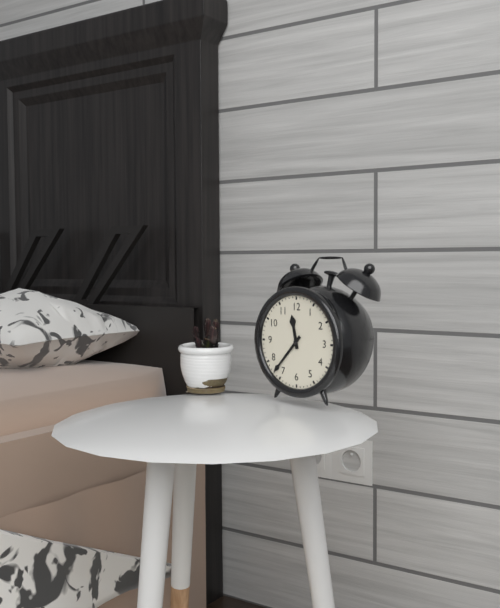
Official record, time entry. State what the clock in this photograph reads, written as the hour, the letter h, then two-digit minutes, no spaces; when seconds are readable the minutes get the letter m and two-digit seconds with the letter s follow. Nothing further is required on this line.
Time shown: 11h37
